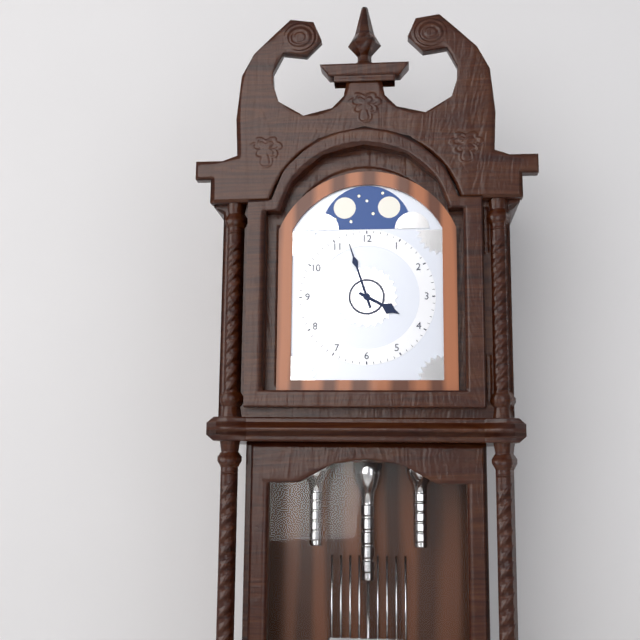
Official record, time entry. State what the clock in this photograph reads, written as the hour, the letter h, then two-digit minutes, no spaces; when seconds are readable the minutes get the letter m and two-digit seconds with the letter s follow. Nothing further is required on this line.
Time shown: 3h57
